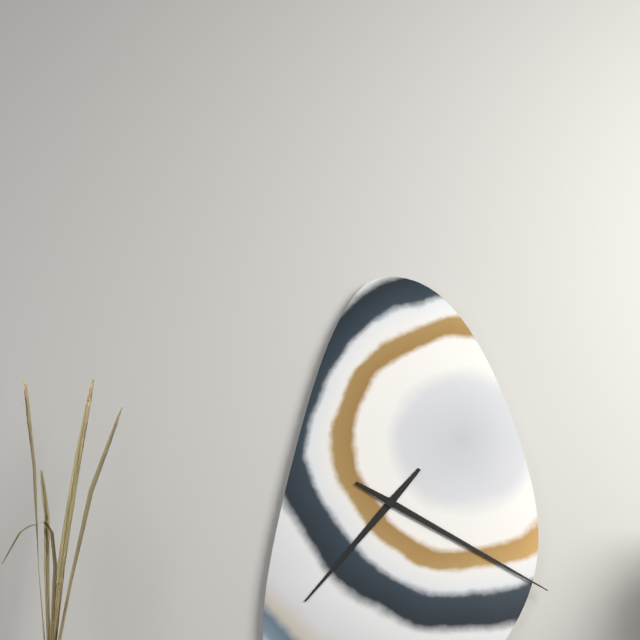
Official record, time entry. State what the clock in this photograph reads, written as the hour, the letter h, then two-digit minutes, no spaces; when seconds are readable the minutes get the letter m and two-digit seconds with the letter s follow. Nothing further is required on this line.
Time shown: 7h20
